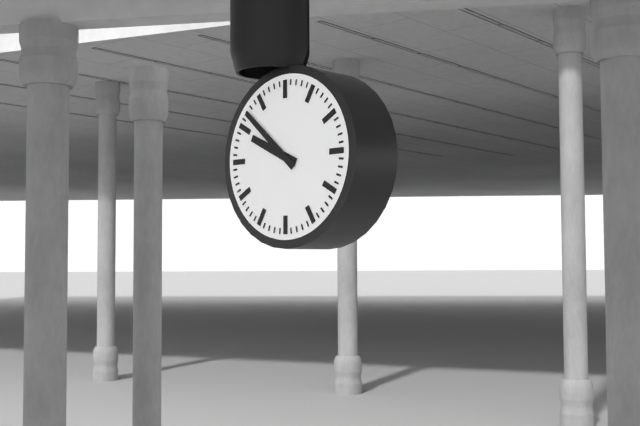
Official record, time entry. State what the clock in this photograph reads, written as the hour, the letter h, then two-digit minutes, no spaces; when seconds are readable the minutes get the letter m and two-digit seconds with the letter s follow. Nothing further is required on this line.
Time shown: 9h52
